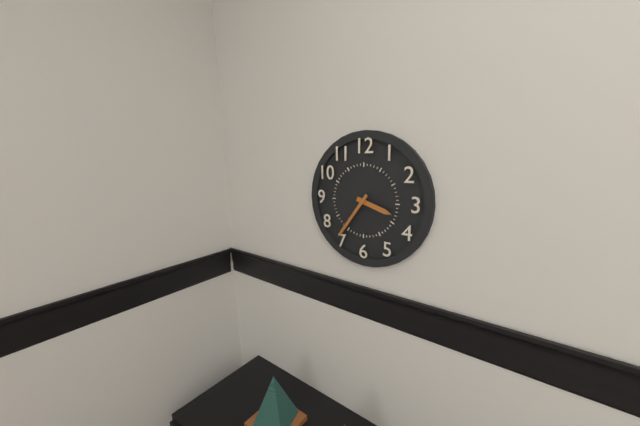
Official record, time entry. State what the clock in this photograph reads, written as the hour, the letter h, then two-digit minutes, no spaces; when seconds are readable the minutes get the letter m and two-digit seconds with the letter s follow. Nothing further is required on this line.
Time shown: 3h36
